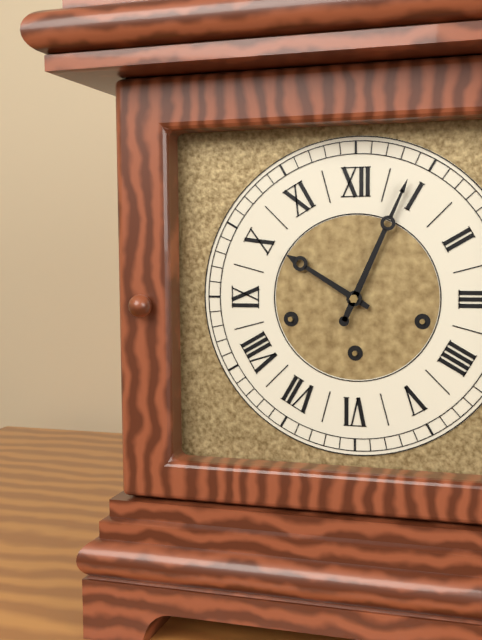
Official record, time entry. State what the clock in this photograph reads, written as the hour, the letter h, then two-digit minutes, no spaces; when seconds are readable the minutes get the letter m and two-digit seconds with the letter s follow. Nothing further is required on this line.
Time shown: 10h04
